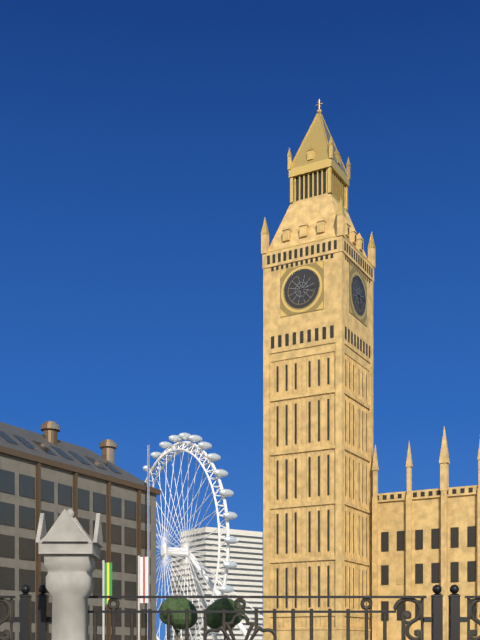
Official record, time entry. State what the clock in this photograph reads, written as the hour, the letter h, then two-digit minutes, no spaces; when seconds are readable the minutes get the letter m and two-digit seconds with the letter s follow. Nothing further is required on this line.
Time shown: 5h15
